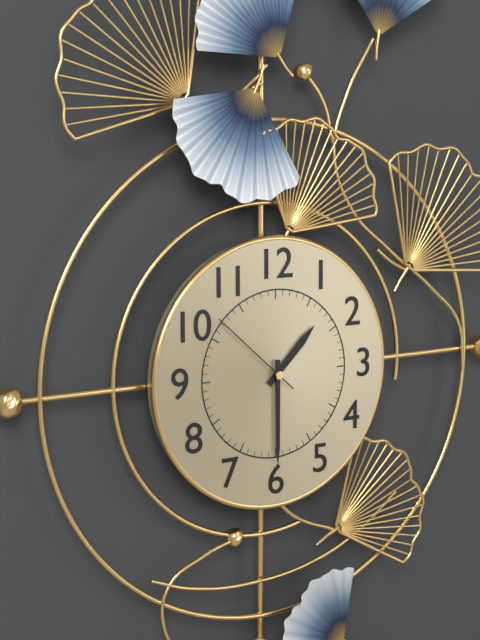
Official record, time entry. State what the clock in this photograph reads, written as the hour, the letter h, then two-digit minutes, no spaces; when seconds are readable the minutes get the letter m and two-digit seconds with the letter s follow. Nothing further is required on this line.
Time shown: 1h30m52s
